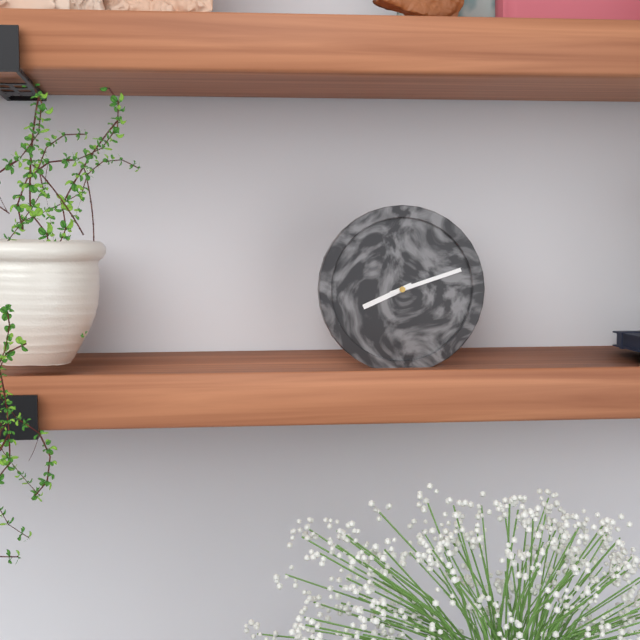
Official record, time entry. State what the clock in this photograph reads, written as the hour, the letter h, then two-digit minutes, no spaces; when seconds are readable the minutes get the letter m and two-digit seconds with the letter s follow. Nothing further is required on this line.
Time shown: 8h12
